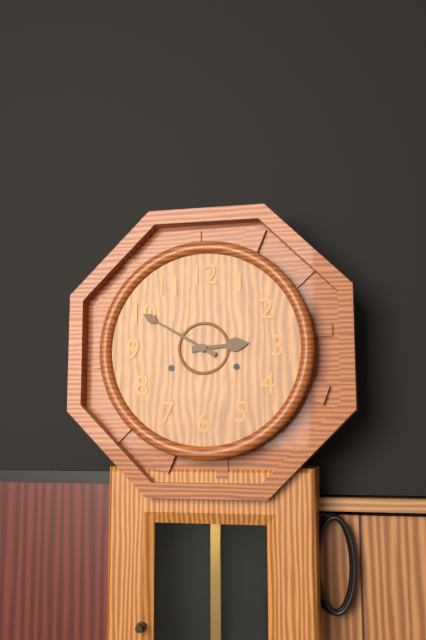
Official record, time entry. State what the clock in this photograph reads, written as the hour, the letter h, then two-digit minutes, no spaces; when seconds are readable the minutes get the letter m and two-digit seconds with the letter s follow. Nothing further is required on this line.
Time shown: 2h50
